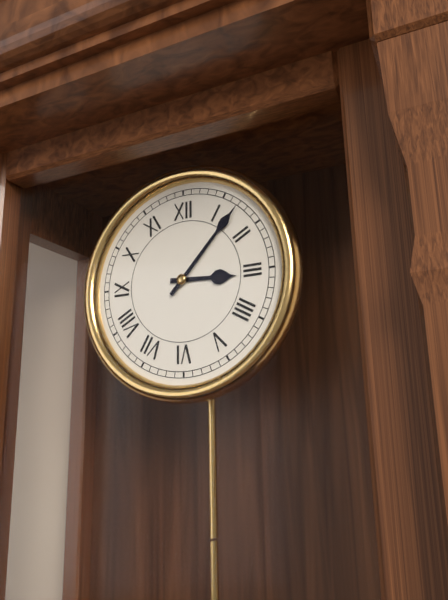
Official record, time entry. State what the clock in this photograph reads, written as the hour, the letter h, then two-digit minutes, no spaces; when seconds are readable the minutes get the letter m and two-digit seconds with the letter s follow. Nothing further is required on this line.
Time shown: 3h07
